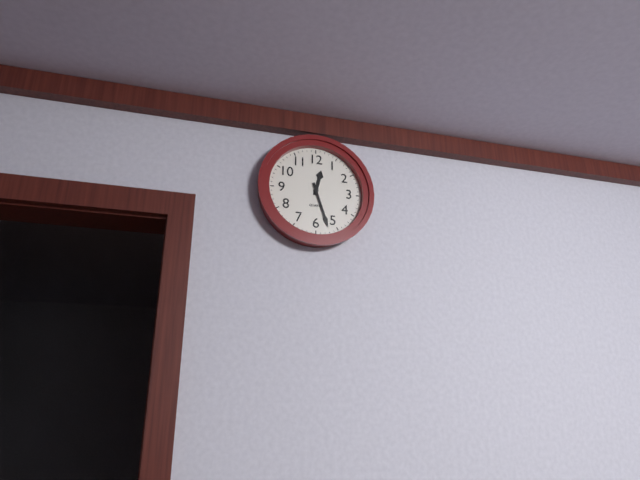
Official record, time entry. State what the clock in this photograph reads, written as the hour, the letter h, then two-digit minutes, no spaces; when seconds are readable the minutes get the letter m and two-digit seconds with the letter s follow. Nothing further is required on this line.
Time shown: 12h27
